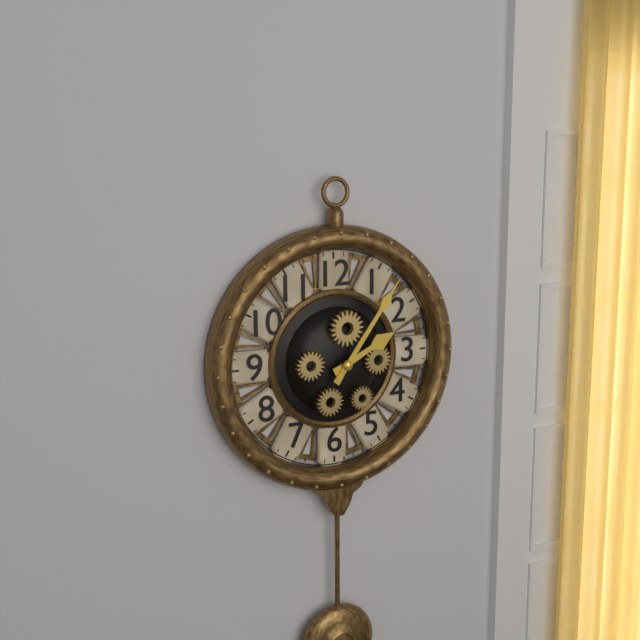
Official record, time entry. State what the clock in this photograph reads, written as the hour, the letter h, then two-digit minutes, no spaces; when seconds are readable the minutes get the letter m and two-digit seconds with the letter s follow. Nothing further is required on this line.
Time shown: 2h06
